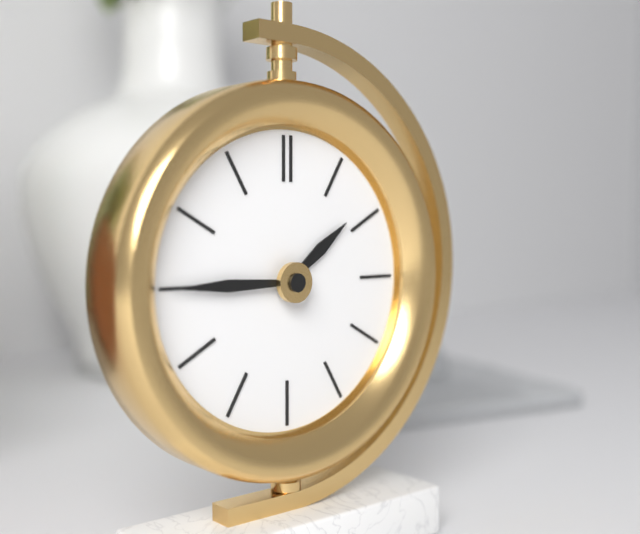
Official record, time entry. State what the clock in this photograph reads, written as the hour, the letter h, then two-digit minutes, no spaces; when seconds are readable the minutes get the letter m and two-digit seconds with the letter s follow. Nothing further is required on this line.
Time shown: 1h45
